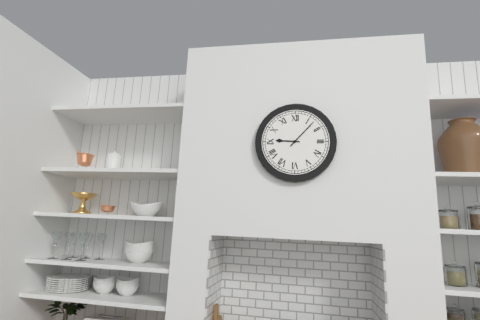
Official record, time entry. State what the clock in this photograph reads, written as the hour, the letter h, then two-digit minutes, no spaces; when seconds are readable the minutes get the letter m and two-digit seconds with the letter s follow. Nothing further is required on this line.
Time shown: 9h07
